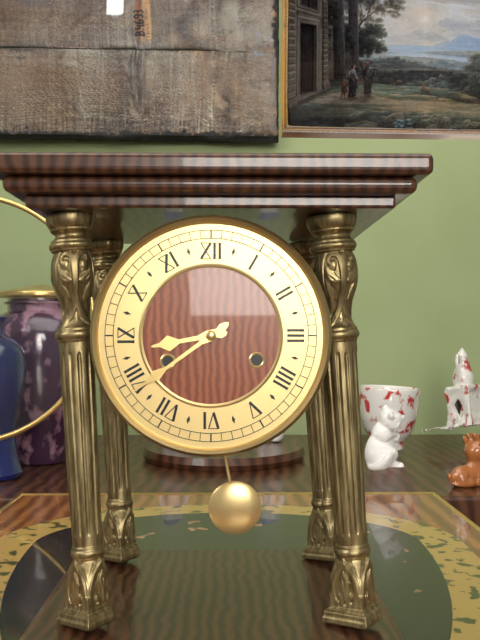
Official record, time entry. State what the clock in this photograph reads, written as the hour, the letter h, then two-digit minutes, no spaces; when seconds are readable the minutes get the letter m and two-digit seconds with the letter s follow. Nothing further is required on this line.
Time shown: 8h39
